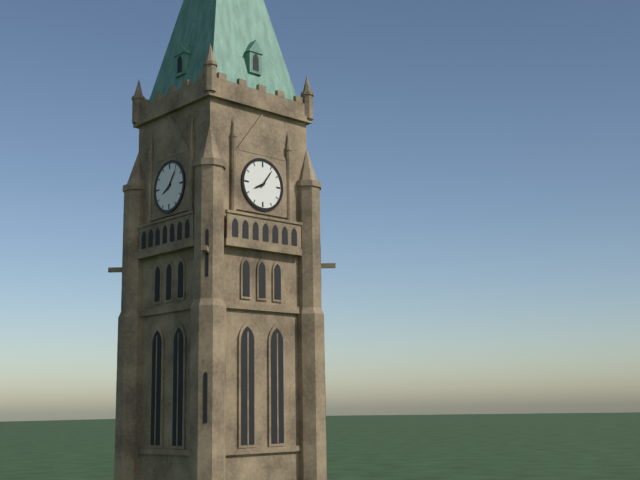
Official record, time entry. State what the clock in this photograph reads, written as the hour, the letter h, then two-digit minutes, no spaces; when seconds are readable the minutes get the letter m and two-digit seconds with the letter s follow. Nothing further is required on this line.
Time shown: 8h06
